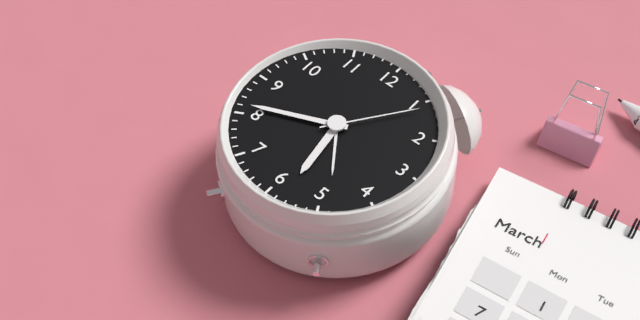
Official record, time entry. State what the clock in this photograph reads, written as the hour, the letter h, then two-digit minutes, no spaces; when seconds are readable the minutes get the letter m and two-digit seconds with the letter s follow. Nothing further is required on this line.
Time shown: 5h41m06s
